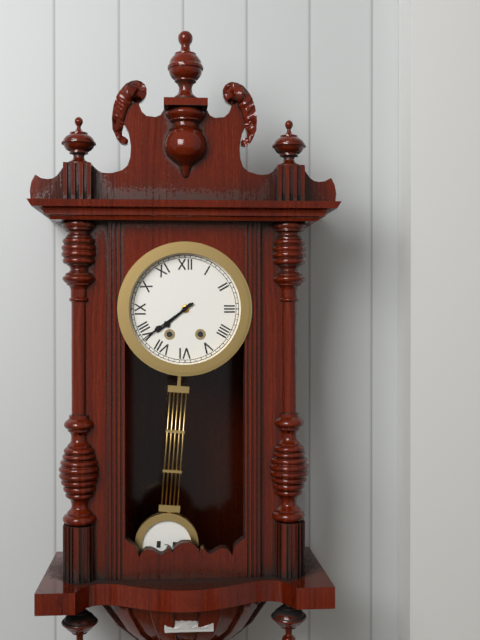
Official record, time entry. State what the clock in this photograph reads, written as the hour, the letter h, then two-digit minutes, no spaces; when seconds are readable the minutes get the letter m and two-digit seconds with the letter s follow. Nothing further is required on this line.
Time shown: 7h39
